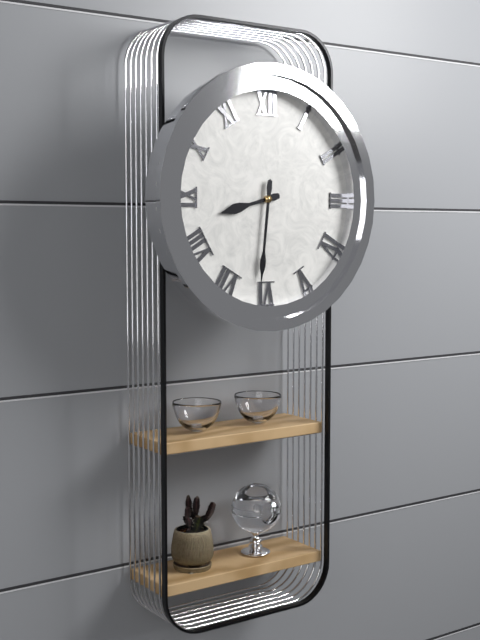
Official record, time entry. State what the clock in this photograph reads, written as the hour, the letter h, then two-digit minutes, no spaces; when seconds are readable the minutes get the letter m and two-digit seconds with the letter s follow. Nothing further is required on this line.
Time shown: 8h31
